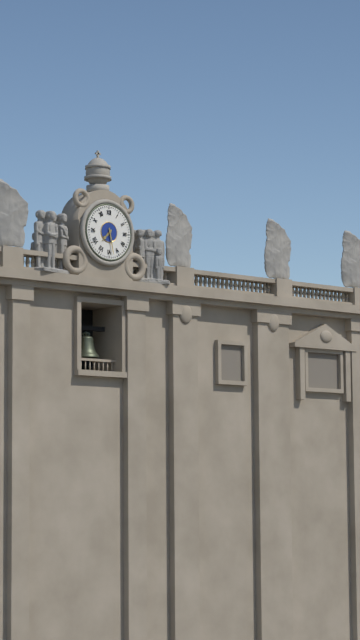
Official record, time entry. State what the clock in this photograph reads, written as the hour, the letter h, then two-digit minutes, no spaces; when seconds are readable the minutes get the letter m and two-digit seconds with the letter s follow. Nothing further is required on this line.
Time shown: 7h28
